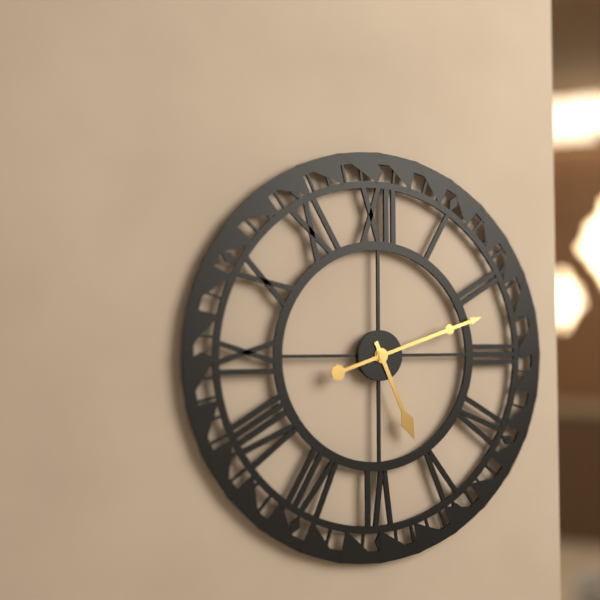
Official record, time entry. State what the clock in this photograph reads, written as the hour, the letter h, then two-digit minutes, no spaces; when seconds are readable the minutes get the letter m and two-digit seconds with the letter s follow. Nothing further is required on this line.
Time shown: 5h12
